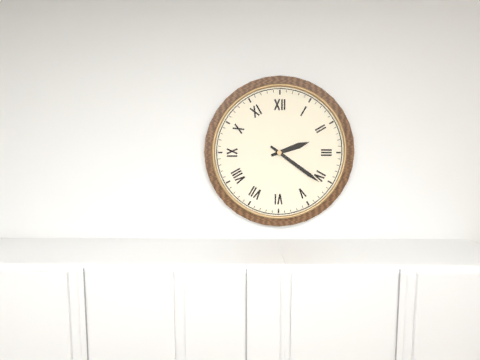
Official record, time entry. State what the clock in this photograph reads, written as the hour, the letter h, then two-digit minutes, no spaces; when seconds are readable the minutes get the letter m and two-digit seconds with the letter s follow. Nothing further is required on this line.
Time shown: 2h21
